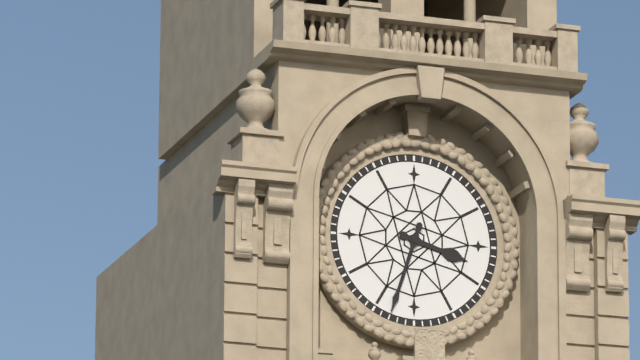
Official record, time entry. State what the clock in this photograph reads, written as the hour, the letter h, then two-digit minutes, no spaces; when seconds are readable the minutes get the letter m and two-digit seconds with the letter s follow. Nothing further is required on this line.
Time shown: 3h33
